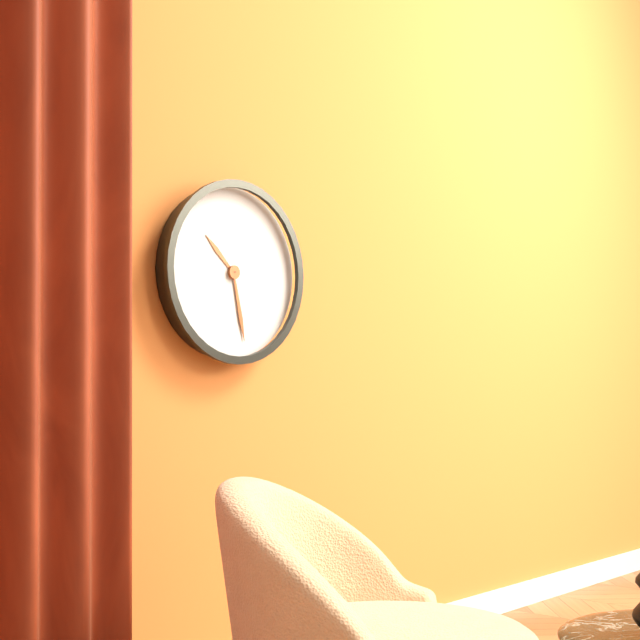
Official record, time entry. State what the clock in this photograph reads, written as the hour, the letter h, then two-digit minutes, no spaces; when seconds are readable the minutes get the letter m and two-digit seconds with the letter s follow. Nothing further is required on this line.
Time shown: 10h28
